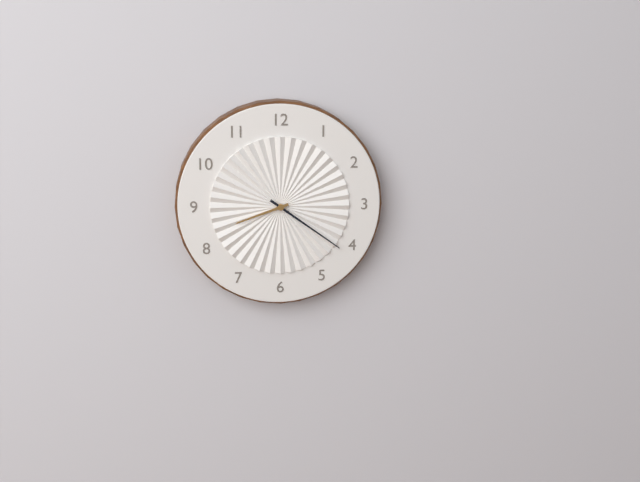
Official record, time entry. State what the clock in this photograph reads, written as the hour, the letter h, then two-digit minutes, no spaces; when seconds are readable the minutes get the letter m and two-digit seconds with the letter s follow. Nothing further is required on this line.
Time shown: 8h21
